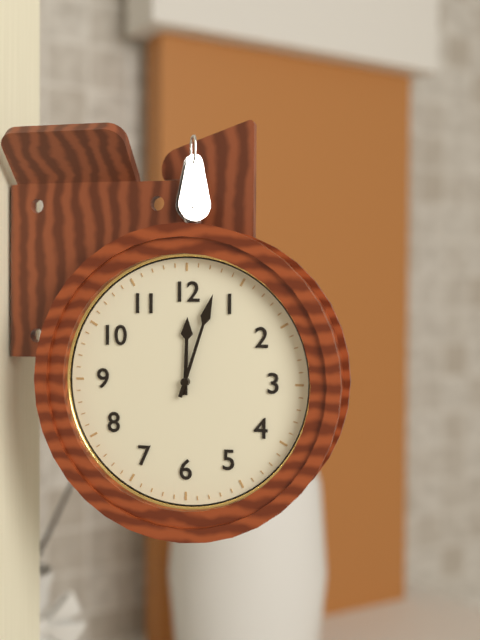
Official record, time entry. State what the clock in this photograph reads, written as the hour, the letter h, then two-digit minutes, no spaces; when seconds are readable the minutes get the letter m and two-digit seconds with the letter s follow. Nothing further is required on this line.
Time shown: 12h03
